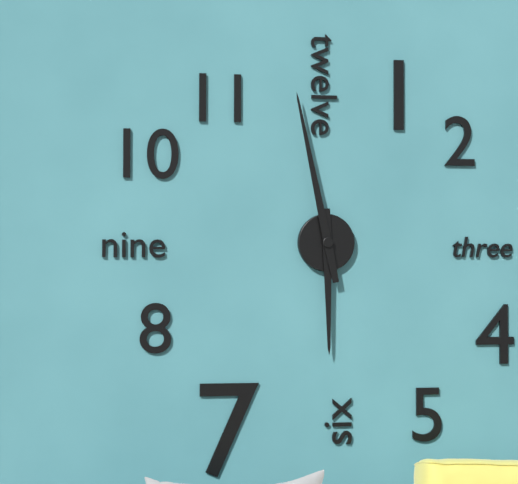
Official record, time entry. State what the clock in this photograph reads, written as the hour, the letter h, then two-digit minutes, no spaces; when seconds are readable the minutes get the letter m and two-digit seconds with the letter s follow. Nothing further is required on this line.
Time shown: 5h58
